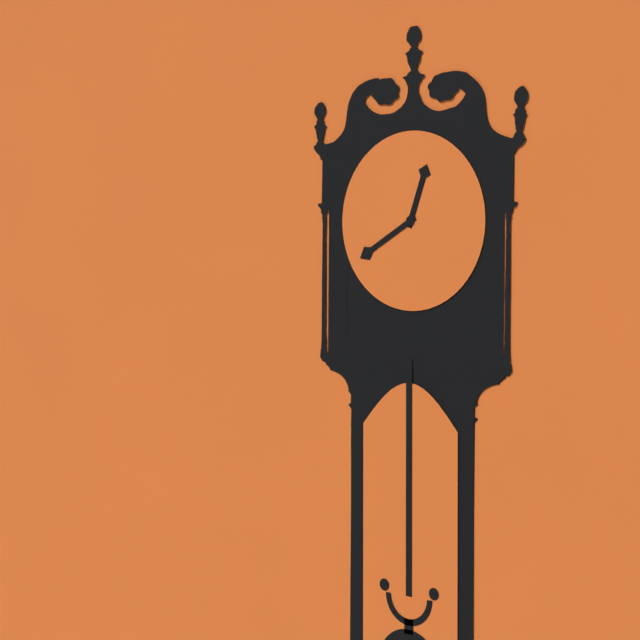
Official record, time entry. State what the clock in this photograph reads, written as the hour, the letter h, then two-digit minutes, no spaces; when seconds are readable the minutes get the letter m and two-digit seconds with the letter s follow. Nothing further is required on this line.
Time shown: 12h40
